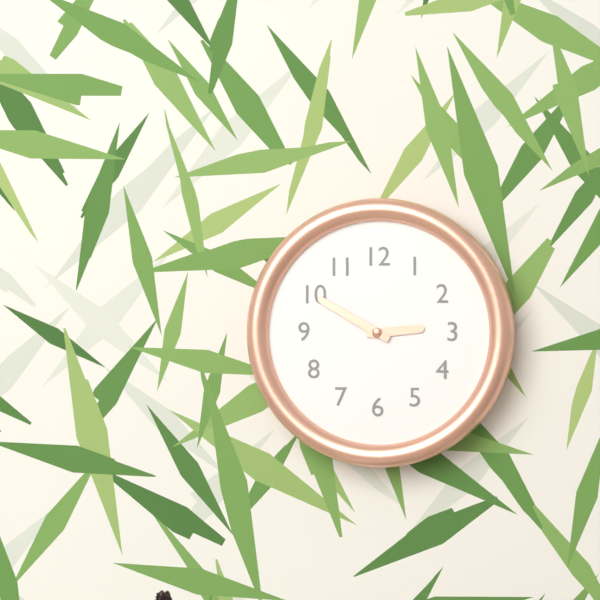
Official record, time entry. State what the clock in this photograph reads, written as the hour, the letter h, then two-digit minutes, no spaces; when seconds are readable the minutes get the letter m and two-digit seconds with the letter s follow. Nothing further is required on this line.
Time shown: 2h50
